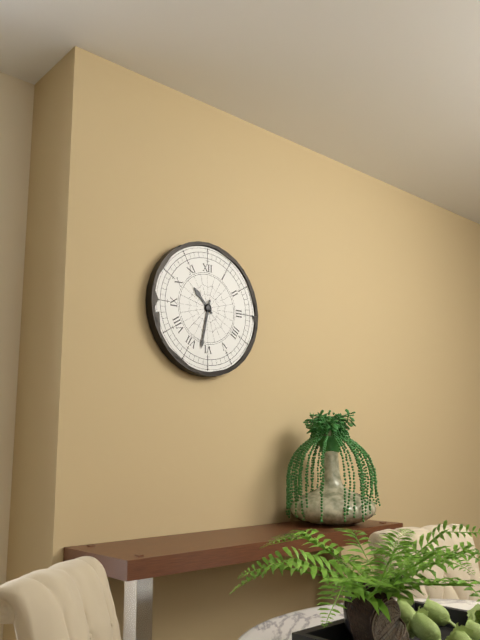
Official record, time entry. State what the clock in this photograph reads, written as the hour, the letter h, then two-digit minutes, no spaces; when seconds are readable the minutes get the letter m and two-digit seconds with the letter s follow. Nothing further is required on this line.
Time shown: 10h32
